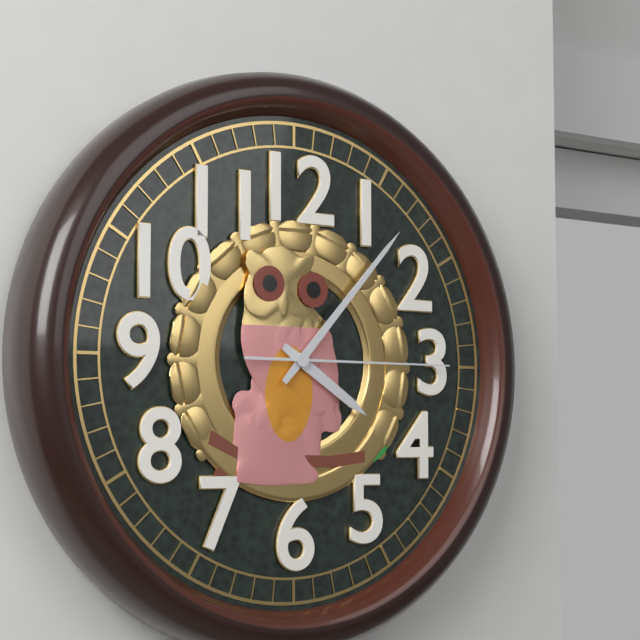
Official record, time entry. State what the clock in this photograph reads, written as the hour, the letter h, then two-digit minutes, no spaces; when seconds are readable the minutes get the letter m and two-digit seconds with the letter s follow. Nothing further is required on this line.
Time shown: 4h07m15s
